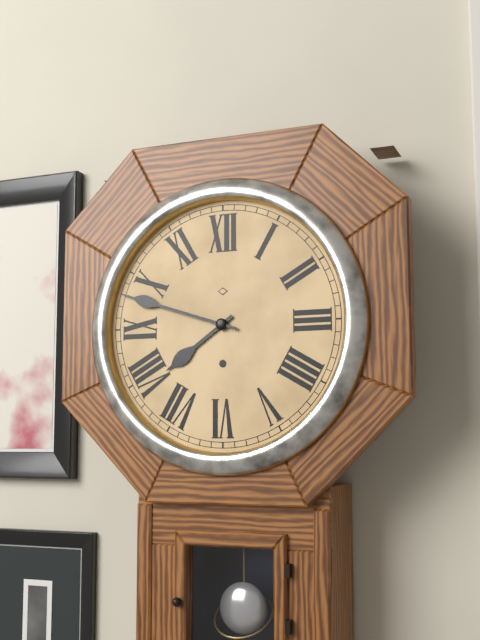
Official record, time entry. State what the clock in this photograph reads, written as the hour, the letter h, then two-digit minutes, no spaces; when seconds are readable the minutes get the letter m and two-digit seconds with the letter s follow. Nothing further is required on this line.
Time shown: 7h48
